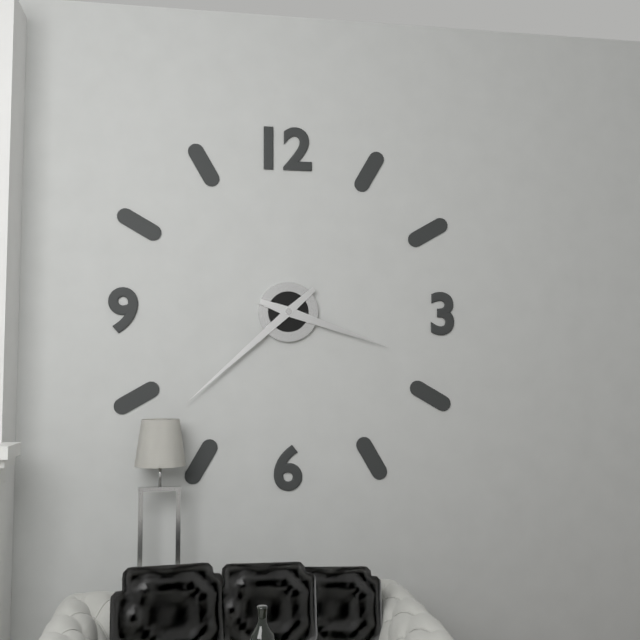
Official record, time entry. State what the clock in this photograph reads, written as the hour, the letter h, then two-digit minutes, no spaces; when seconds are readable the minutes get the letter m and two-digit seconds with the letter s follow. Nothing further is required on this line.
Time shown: 3h38
